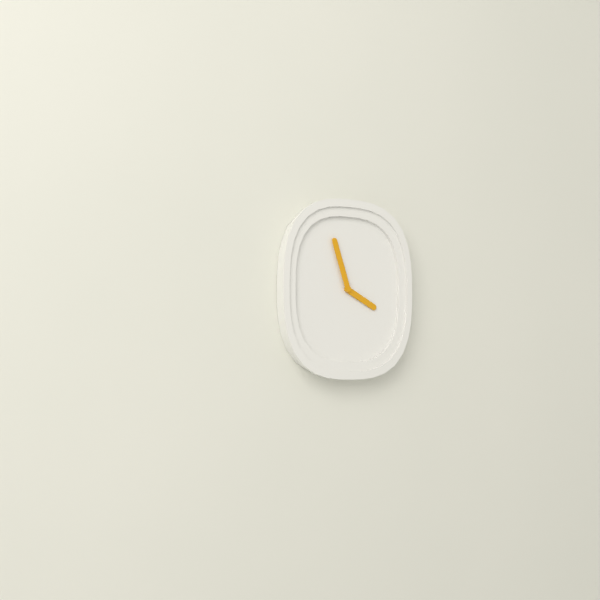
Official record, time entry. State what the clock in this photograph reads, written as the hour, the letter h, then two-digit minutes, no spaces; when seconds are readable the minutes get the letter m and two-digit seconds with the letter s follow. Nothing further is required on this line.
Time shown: 3h57
